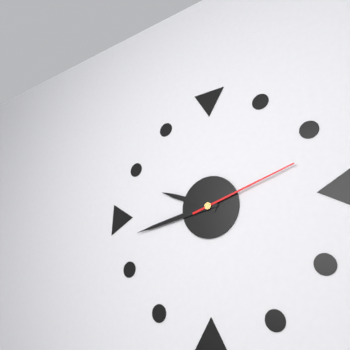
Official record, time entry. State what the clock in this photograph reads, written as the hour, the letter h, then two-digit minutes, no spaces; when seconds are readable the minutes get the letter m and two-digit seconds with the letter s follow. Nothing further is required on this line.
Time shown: 9h43m12s
